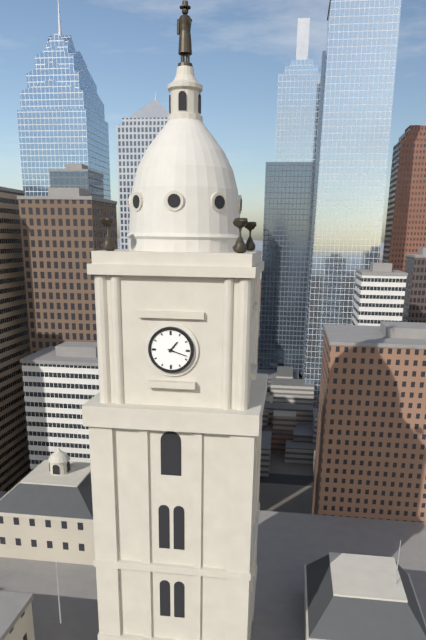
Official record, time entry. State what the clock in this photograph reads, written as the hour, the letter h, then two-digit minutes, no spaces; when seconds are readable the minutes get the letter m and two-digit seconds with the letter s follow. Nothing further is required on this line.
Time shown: 1h18
